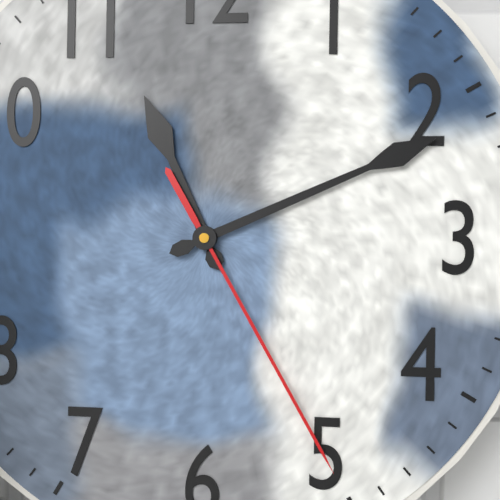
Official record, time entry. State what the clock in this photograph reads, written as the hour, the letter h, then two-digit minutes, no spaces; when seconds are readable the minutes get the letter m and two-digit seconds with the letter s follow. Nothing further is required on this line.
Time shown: 11h11m25s
